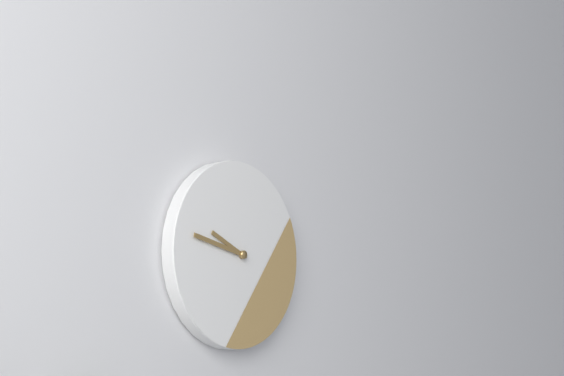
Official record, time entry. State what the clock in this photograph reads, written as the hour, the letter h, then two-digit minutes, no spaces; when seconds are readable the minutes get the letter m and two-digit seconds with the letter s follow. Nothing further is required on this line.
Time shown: 9h47
